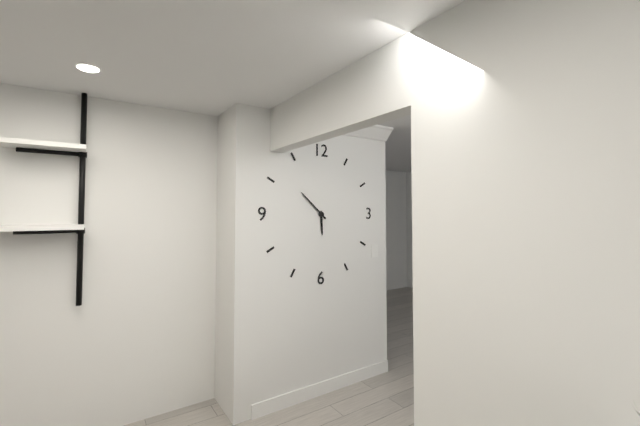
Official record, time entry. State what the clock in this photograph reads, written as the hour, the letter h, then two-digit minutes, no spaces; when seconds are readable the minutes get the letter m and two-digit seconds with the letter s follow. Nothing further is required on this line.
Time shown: 5h52
